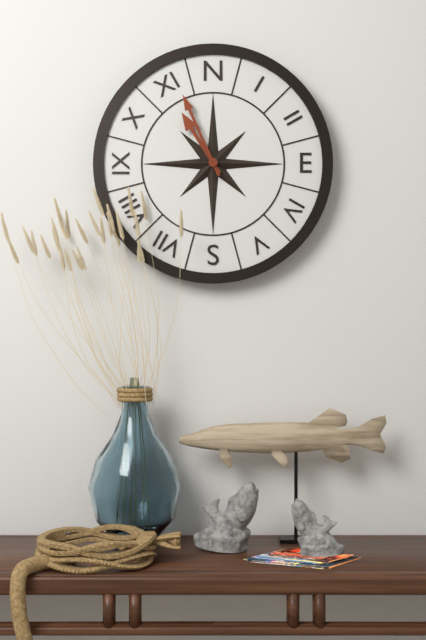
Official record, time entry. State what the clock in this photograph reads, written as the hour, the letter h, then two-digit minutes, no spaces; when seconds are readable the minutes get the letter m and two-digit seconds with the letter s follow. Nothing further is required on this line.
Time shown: 10h56
